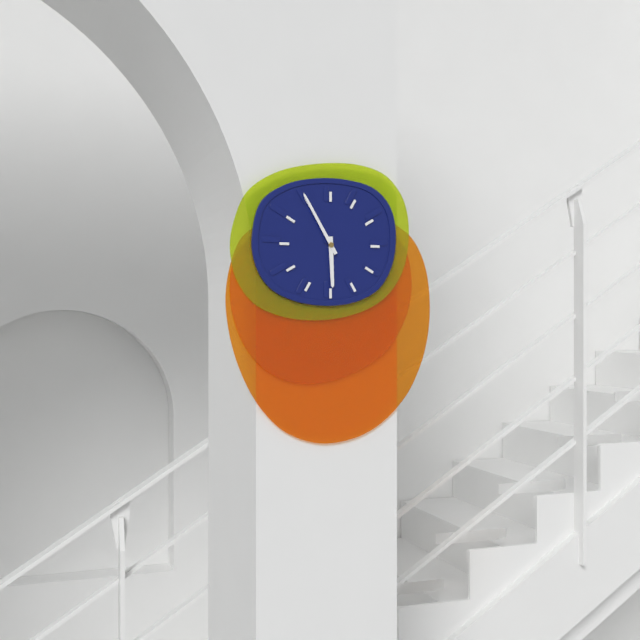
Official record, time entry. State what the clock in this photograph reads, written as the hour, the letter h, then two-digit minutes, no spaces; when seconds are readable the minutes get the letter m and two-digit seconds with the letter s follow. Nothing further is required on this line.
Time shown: 5h55
